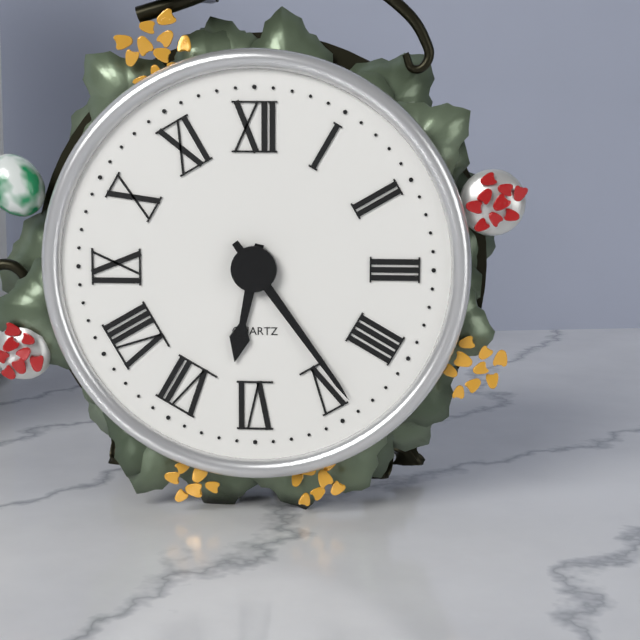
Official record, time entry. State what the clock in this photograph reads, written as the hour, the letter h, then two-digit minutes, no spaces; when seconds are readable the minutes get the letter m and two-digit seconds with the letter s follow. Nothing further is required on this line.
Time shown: 6h24
